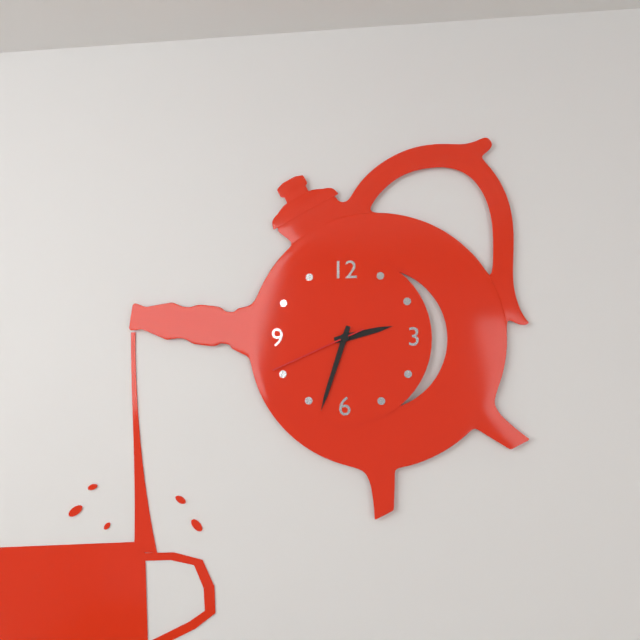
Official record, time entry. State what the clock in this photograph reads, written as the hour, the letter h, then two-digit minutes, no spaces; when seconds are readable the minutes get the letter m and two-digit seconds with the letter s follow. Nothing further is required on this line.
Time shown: 2h33m41s
